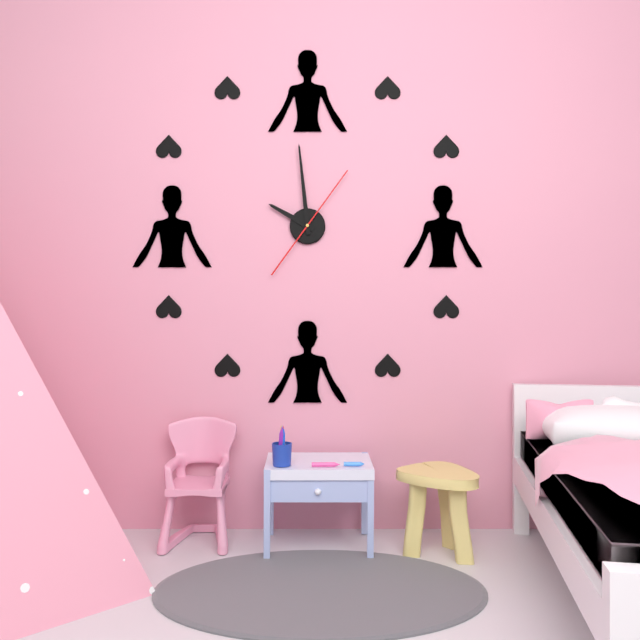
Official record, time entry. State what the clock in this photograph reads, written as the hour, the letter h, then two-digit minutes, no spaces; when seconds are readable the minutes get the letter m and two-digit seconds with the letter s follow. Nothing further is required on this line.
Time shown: 9h59m06s
